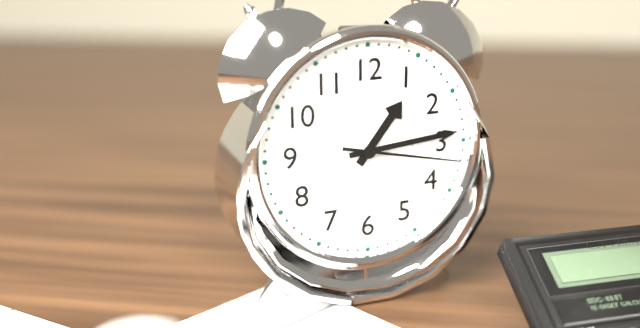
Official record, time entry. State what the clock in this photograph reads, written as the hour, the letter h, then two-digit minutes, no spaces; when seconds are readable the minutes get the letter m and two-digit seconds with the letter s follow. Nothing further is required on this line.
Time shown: 1h14m17s
